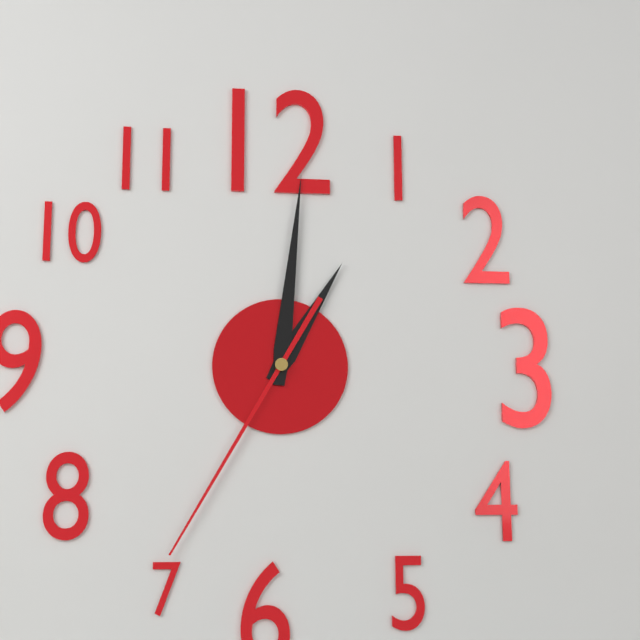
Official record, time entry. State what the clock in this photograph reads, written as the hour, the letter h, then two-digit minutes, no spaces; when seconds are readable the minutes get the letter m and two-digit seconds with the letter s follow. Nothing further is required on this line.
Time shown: 1h01m35s
